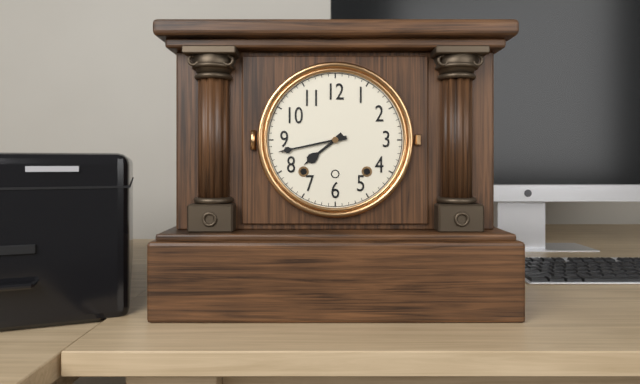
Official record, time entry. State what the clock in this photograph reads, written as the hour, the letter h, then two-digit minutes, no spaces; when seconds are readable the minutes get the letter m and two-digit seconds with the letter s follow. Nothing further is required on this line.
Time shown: 7h43
